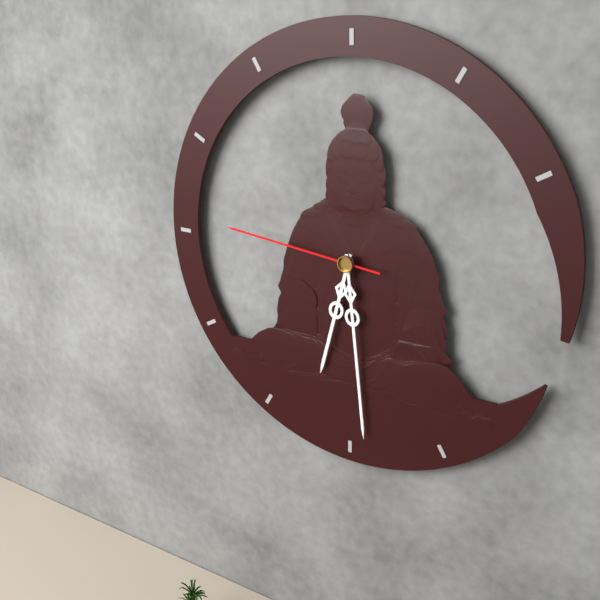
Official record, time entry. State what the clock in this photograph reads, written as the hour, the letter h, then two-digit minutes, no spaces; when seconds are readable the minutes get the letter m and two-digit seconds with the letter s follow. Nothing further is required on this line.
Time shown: 6h29m46s
